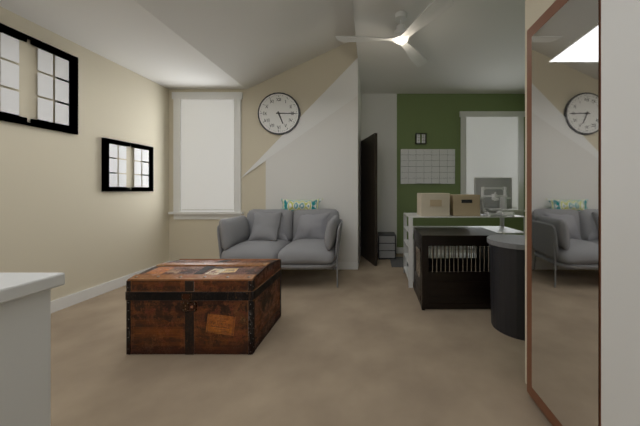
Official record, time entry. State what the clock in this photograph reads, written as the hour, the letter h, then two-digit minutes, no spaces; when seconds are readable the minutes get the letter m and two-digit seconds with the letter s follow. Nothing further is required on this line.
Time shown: 5h15
